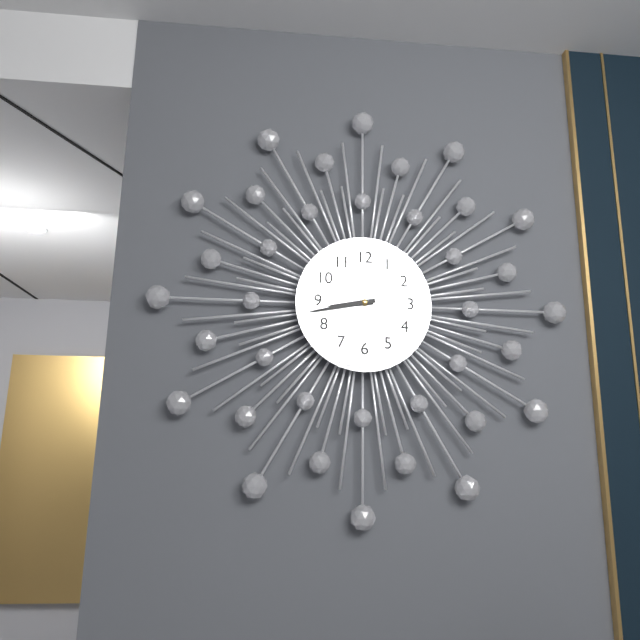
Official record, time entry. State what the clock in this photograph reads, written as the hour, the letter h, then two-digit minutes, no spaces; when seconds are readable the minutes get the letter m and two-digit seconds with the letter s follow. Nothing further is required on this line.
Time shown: 8h43
